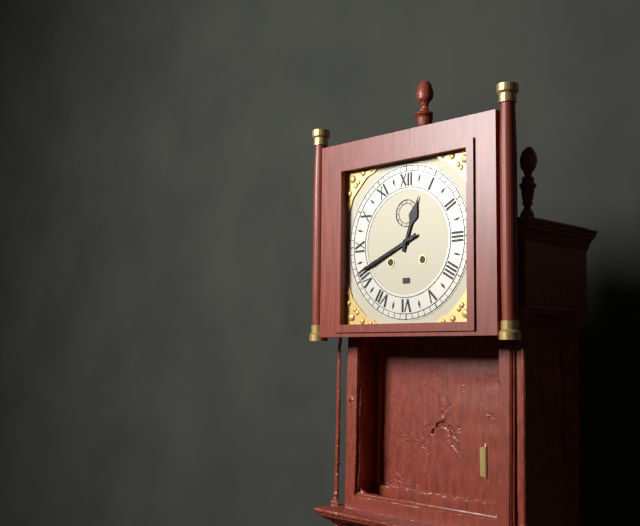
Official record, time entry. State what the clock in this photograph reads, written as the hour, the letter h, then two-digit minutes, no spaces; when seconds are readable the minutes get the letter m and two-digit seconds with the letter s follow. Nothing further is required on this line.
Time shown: 12h41
